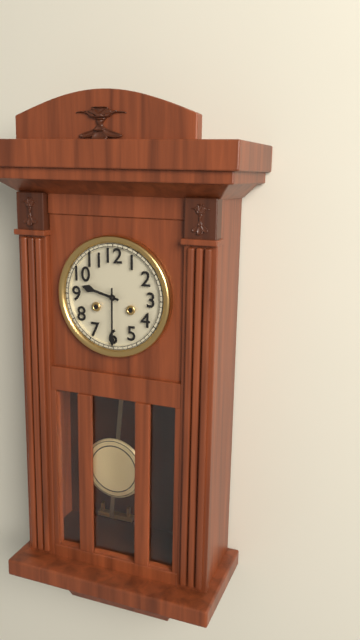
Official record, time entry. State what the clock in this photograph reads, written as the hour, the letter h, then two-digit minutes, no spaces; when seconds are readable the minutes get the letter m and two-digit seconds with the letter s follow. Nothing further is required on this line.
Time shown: 9h30
